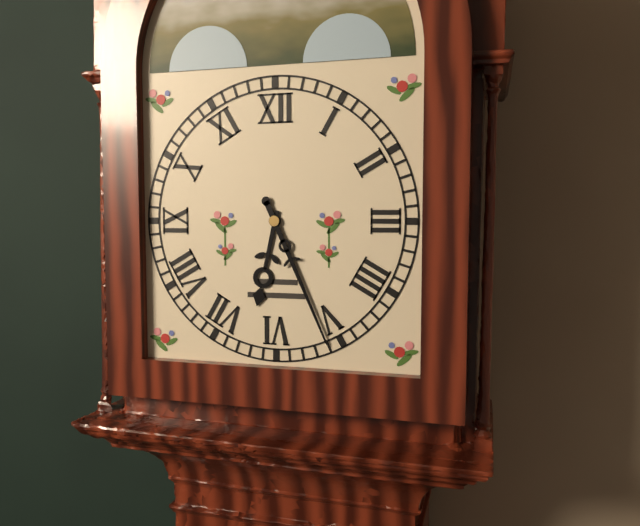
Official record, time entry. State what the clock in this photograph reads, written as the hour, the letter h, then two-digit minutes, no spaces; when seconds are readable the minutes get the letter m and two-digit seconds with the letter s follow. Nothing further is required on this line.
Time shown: 6h26
